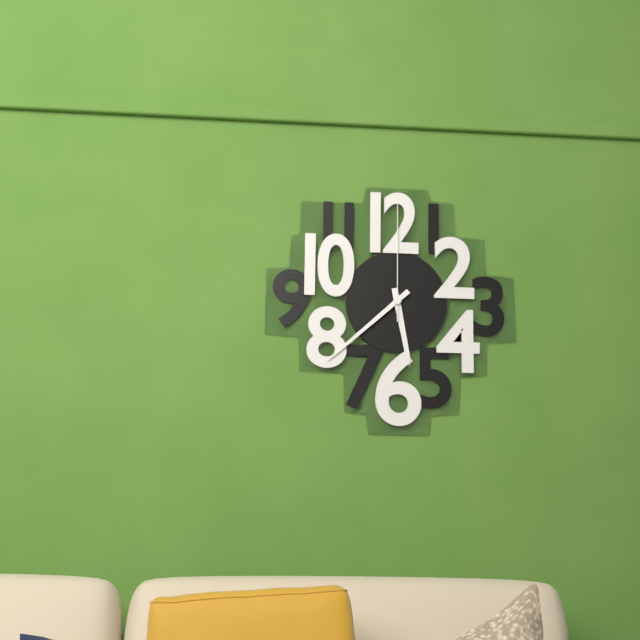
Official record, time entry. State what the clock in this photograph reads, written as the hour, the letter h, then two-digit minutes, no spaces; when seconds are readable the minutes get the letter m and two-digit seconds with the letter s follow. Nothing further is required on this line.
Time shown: 5h38m00s
